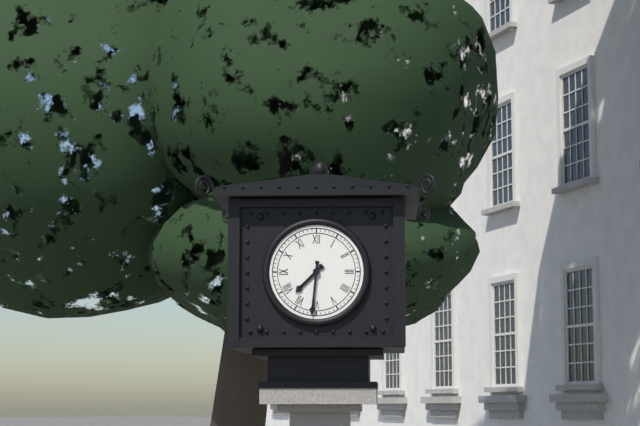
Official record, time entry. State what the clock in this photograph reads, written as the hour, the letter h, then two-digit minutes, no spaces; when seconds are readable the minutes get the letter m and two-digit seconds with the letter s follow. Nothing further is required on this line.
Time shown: 7h31
